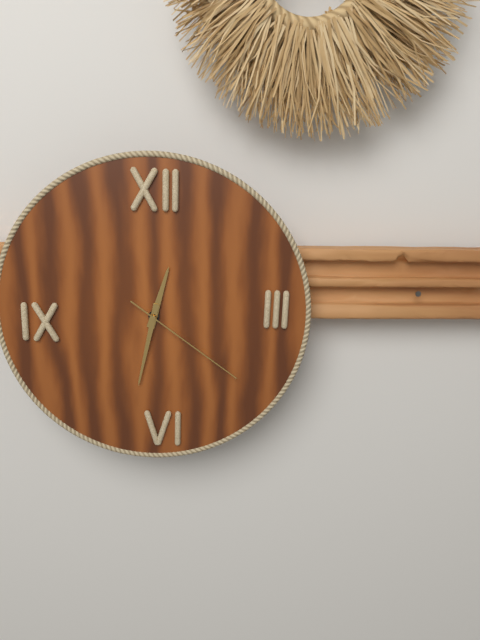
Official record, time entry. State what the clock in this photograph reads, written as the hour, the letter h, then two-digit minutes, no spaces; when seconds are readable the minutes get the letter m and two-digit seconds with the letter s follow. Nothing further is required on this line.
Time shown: 12h32m21s
